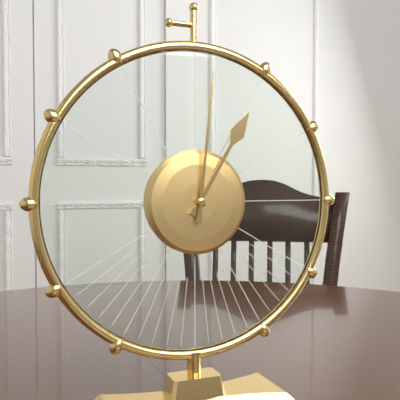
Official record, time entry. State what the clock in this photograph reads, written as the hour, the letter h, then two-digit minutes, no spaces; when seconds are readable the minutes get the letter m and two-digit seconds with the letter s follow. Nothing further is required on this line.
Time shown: 1h01
